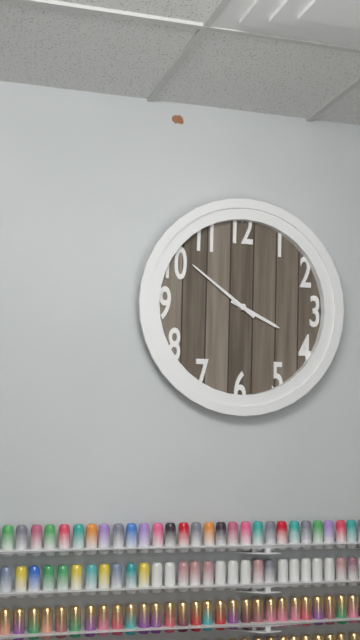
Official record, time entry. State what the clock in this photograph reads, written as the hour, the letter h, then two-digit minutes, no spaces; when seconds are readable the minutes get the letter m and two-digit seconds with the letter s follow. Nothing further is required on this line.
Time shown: 3h51
